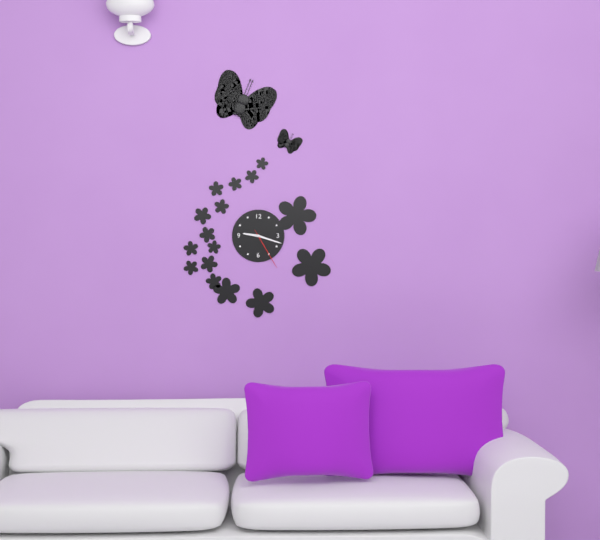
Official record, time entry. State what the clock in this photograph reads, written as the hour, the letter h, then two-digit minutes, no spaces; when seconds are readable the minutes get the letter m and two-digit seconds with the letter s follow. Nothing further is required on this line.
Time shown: 9h18
